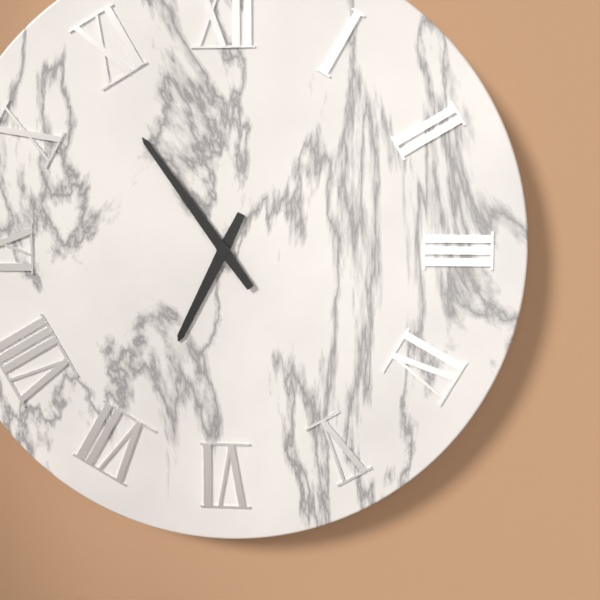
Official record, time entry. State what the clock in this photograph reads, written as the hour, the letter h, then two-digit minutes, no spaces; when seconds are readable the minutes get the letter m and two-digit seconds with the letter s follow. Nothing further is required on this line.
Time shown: 6h54
